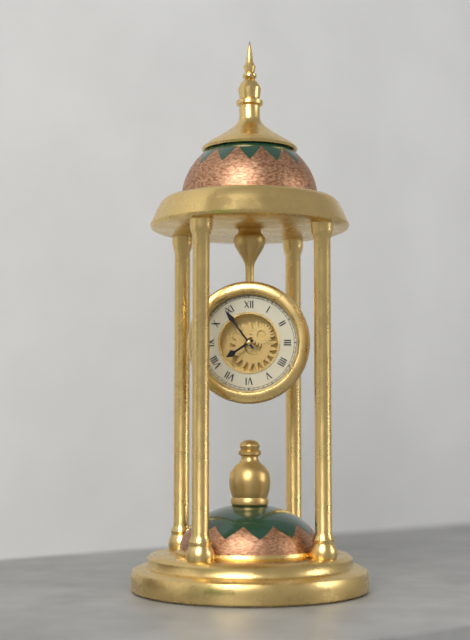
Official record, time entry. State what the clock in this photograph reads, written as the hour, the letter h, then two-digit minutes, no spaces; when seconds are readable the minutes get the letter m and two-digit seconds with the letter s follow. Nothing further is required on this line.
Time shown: 7h54
